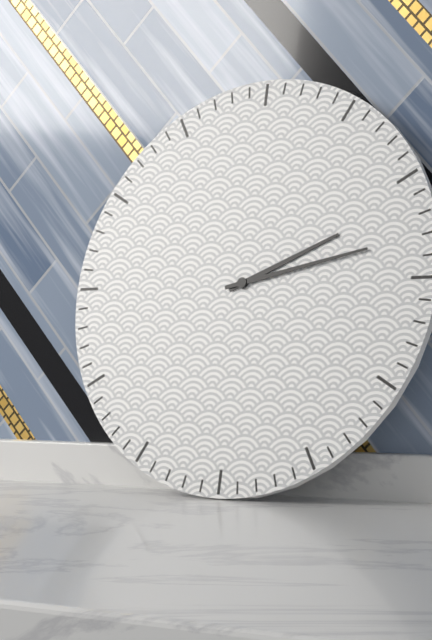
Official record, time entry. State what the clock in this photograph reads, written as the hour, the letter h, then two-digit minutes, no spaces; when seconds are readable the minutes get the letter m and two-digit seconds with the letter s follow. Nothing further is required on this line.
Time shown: 2h13
